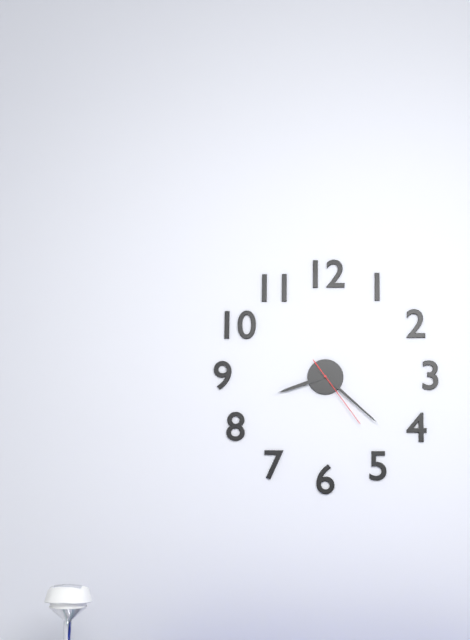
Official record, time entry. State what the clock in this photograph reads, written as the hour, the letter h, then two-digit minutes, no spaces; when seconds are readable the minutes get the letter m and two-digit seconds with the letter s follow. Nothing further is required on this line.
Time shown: 8h22m24s
